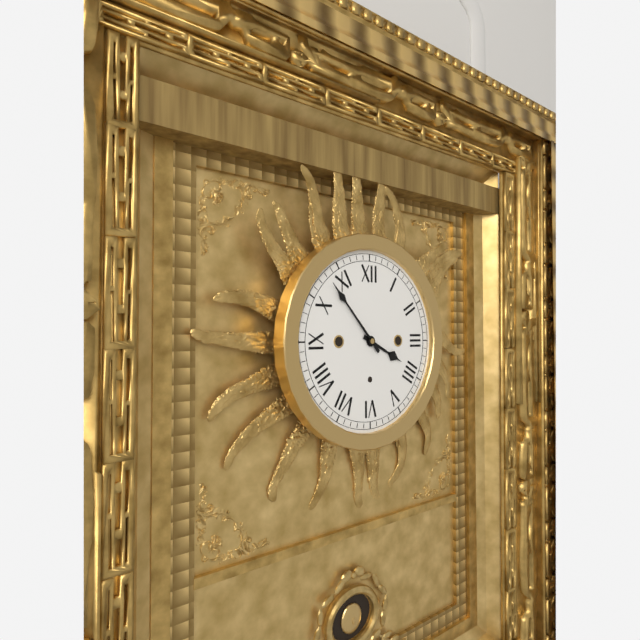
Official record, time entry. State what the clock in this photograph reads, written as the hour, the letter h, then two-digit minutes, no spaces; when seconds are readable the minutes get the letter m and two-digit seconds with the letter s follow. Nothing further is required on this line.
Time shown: 3h53
